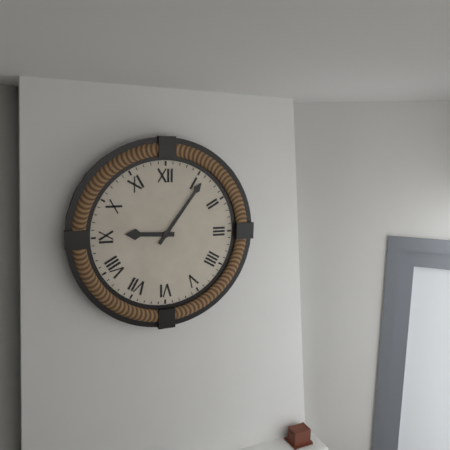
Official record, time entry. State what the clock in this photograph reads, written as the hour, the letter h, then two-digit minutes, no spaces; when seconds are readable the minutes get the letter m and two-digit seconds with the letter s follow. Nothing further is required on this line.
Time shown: 9h06
